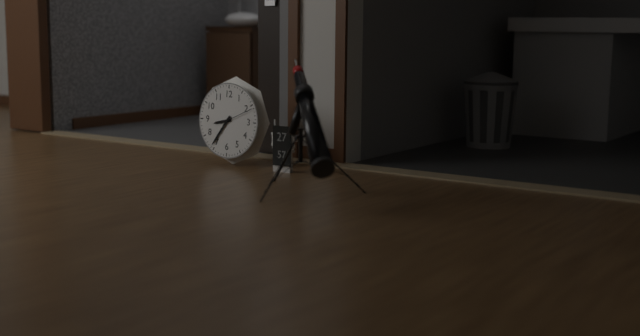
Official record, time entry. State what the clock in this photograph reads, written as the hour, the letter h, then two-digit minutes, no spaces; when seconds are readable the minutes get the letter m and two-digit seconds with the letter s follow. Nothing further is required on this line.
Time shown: 8h36
